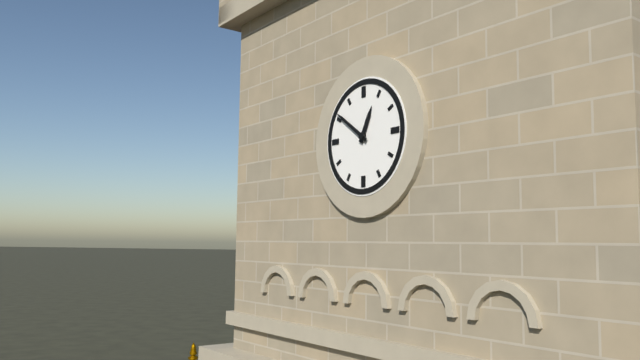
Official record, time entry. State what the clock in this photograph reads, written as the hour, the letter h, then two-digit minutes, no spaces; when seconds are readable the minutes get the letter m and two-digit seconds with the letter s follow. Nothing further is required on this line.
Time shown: 12h51
